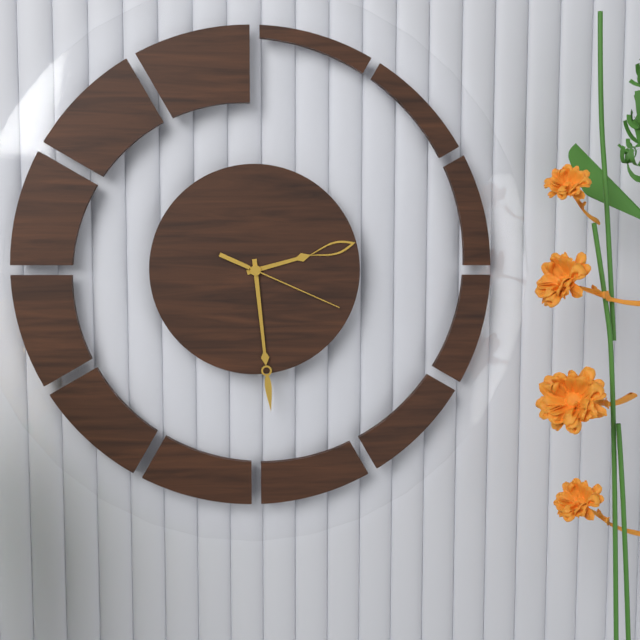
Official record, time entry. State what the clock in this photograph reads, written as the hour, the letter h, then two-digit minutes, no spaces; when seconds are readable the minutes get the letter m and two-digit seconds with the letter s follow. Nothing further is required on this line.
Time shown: 2h29m19s
